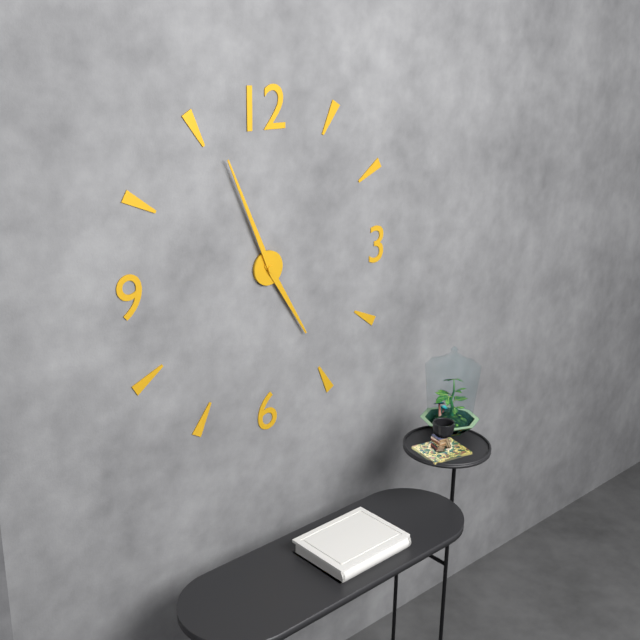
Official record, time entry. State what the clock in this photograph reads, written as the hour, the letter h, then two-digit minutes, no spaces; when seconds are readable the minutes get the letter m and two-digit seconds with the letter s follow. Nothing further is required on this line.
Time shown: 4h56
